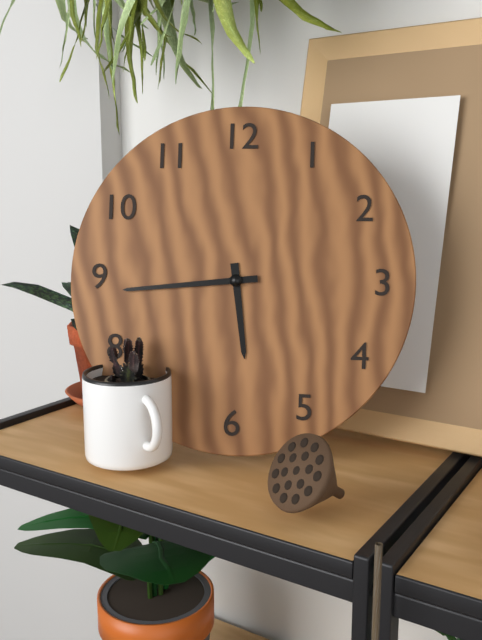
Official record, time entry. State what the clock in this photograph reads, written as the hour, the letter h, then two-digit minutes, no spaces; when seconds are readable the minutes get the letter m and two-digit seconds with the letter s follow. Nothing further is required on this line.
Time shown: 5h44
